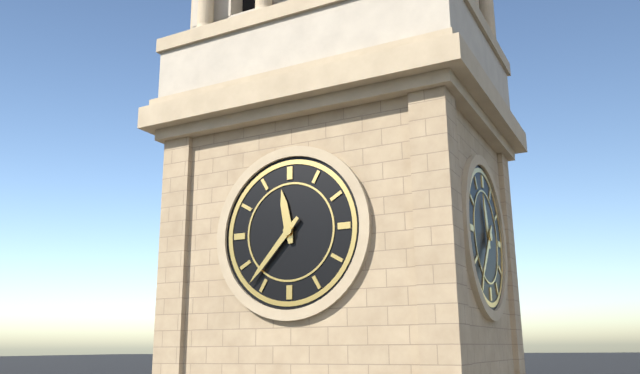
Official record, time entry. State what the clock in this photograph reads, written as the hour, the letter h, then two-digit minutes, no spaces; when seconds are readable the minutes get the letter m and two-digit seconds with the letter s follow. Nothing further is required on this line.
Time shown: 11h37
